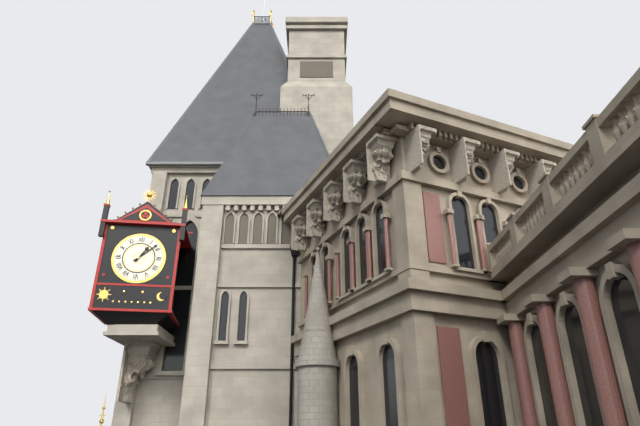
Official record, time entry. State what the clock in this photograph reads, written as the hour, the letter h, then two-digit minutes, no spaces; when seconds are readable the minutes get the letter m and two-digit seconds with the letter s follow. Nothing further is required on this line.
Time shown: 1h08
